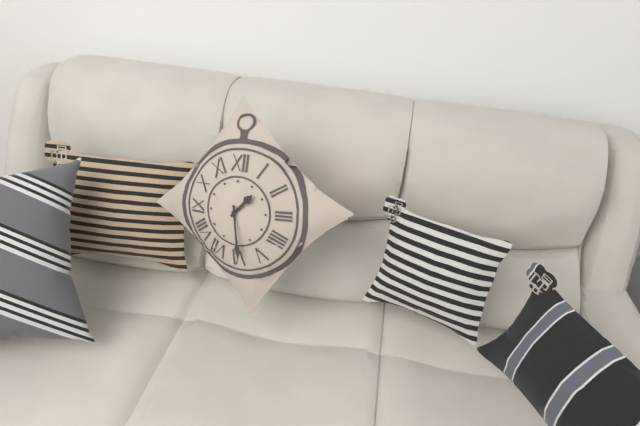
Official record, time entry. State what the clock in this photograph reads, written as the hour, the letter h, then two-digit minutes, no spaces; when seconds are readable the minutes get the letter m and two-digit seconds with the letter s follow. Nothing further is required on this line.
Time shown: 1h29
